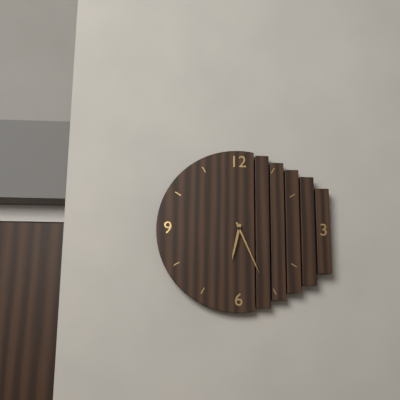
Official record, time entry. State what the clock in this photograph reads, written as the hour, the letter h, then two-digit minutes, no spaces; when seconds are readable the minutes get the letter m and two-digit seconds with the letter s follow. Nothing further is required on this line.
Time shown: 6h26
